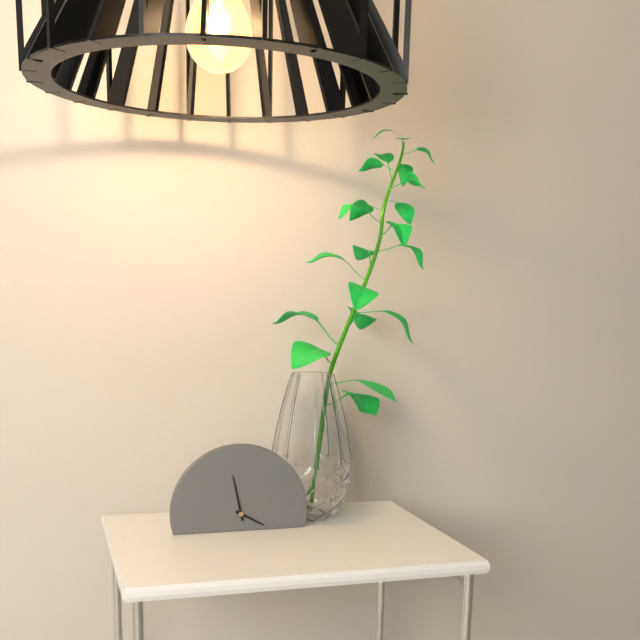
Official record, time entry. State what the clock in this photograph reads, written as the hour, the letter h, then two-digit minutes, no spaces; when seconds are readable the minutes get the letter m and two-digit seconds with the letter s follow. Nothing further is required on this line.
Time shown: 3h58
